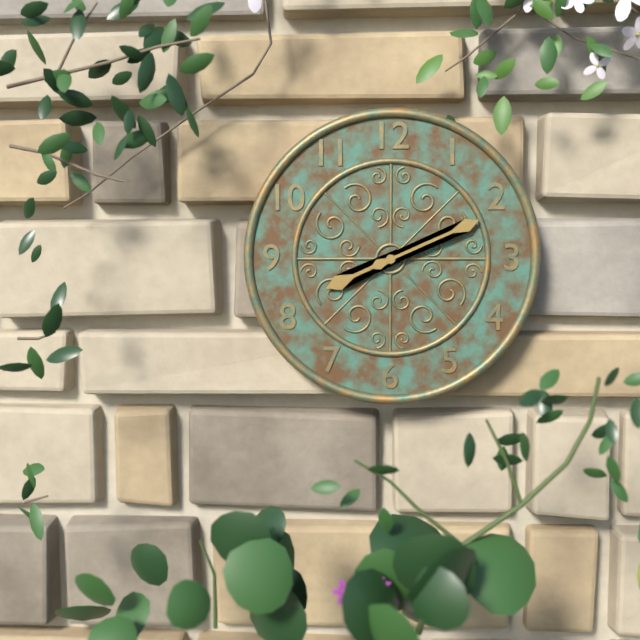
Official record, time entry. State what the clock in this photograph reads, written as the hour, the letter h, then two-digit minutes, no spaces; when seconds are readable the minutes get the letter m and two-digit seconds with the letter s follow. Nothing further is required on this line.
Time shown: 8h11
